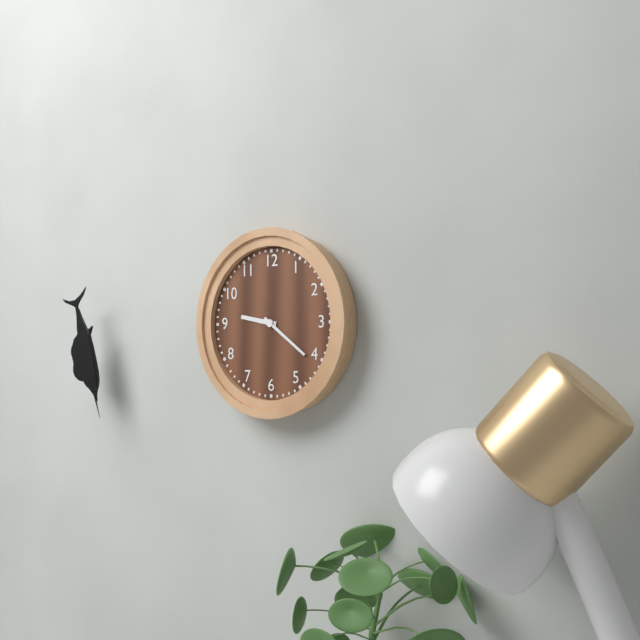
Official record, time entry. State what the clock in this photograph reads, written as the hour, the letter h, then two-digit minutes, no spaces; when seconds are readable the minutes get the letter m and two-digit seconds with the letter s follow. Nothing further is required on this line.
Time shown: 9h21
